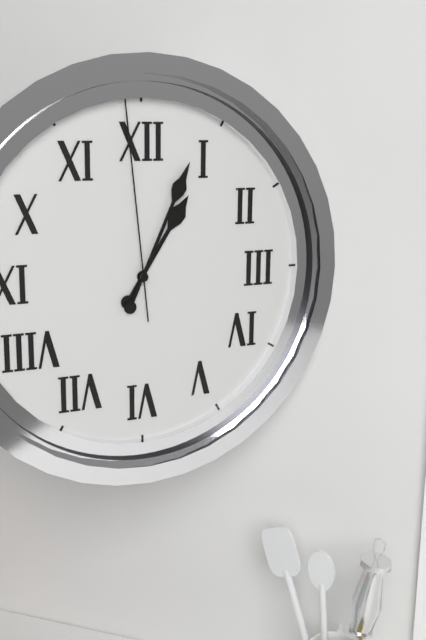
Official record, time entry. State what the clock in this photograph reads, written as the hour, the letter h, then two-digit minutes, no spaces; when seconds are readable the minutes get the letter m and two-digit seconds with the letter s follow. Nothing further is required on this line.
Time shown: 1h04m59s
